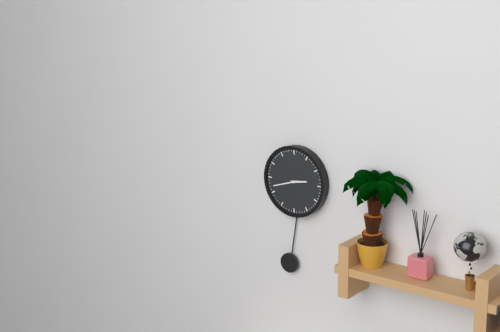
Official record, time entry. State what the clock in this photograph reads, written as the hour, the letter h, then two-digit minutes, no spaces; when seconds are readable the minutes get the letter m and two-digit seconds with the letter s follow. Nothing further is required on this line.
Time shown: 2h42
